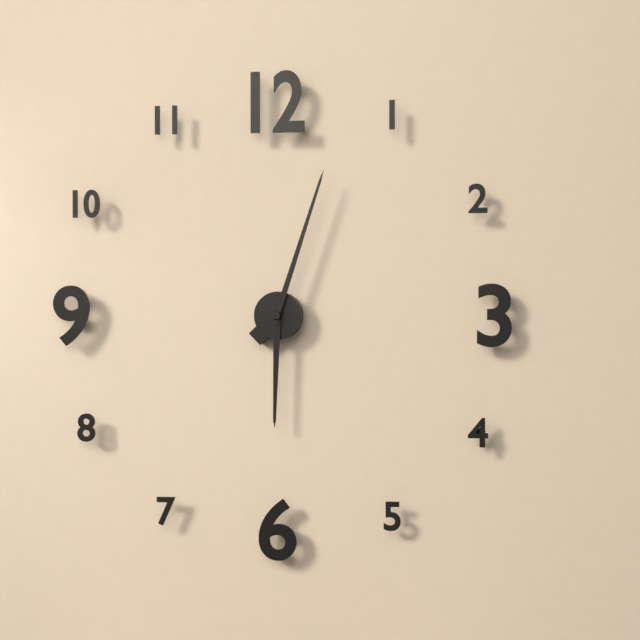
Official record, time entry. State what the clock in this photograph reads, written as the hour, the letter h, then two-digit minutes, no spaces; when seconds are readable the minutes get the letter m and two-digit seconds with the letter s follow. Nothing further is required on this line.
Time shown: 6h03
